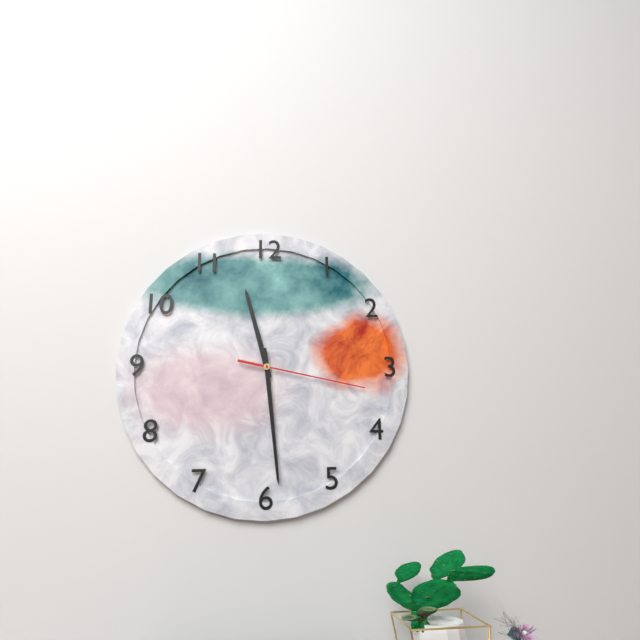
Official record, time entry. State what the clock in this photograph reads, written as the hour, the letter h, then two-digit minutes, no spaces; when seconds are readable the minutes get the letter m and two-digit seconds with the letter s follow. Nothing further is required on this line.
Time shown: 11h29m17s
